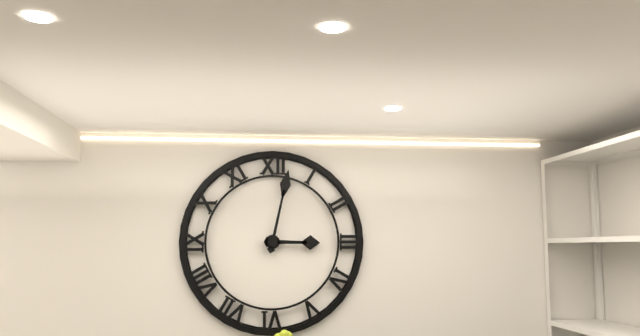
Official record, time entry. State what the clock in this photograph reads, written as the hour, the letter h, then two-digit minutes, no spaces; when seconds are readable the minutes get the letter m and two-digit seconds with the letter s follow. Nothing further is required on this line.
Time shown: 3h02
